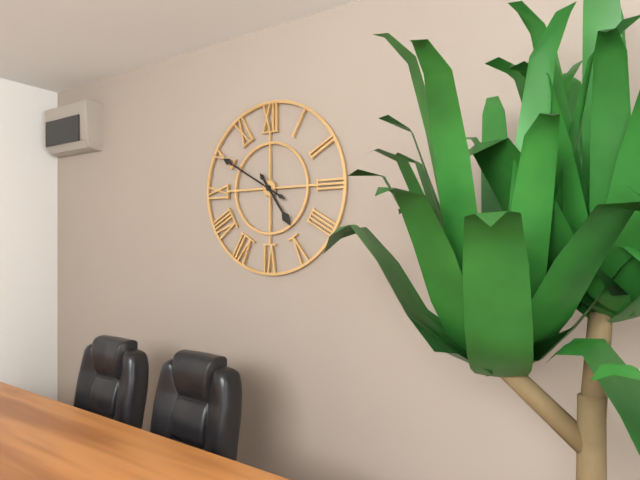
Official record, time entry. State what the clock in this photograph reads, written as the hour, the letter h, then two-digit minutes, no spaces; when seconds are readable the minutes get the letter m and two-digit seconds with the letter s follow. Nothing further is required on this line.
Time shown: 4h50
